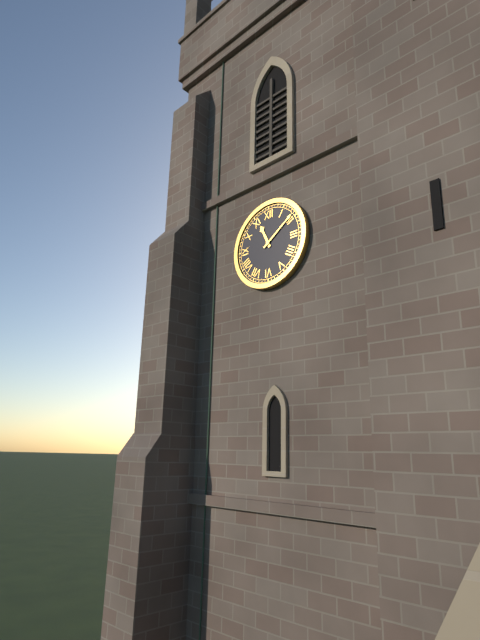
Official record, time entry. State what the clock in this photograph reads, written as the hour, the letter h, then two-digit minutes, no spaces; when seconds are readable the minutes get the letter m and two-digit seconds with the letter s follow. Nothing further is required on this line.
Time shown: 11h09
